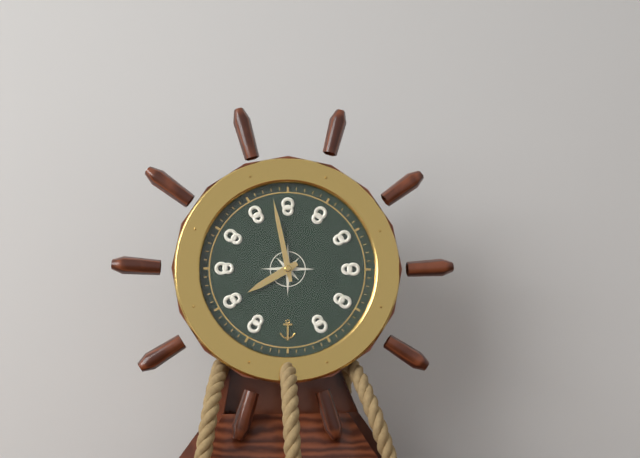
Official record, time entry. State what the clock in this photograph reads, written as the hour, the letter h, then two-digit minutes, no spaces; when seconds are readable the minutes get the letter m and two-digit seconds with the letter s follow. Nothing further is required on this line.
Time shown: 7h58
